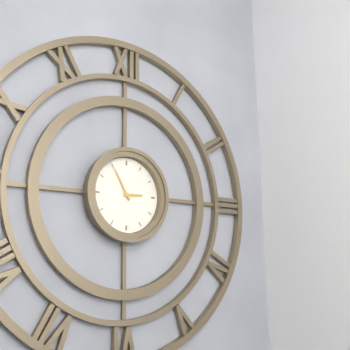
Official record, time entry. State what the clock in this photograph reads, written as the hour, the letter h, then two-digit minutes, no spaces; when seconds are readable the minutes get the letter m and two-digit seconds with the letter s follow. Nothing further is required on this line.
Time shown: 2h55
